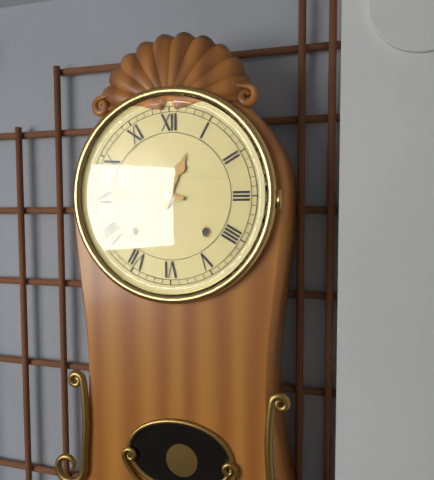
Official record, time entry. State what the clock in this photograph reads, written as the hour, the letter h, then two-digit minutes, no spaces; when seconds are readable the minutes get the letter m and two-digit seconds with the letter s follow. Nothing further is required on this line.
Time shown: 12h46
